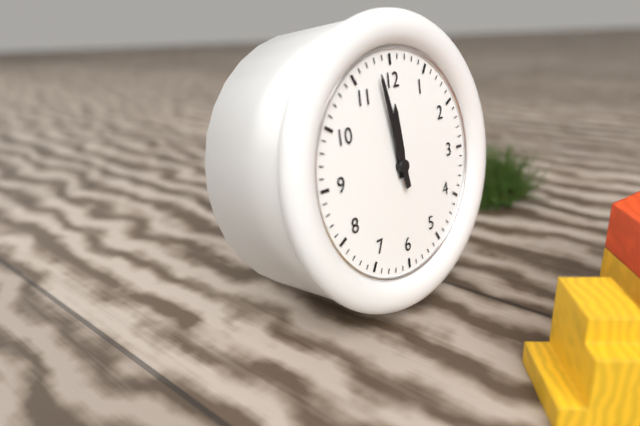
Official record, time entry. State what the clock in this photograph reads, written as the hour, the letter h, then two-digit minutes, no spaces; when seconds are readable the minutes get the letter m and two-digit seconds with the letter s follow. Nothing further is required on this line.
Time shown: 11h58
